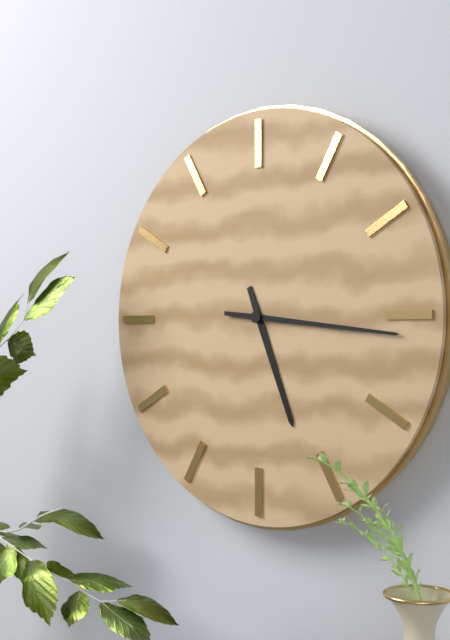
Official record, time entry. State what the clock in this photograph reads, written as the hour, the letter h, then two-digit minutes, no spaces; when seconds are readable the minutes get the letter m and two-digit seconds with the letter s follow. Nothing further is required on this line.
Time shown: 5h16
